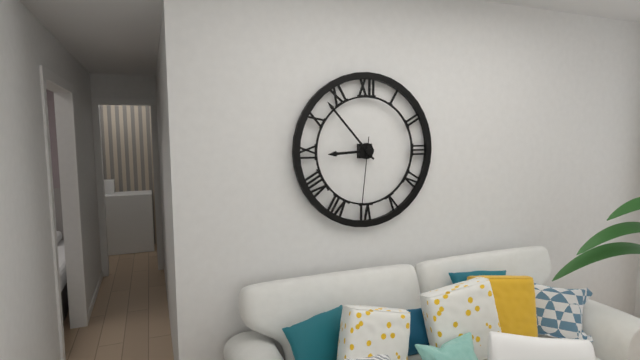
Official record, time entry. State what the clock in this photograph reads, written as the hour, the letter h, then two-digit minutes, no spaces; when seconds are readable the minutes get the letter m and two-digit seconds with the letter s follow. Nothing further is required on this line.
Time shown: 8h53m31s
